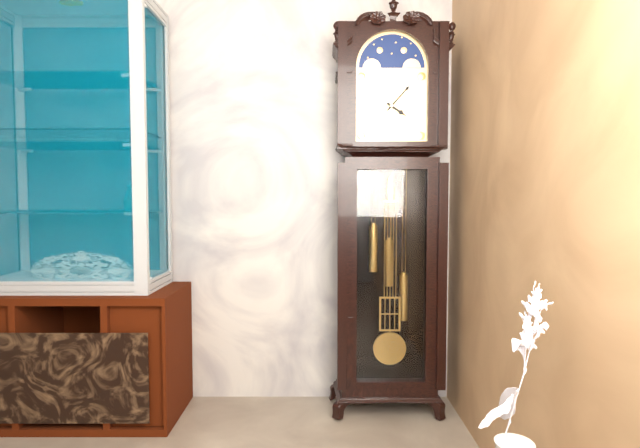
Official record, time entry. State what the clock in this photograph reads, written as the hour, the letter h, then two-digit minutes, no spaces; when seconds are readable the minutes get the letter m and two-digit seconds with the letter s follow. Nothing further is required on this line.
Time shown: 4h07
